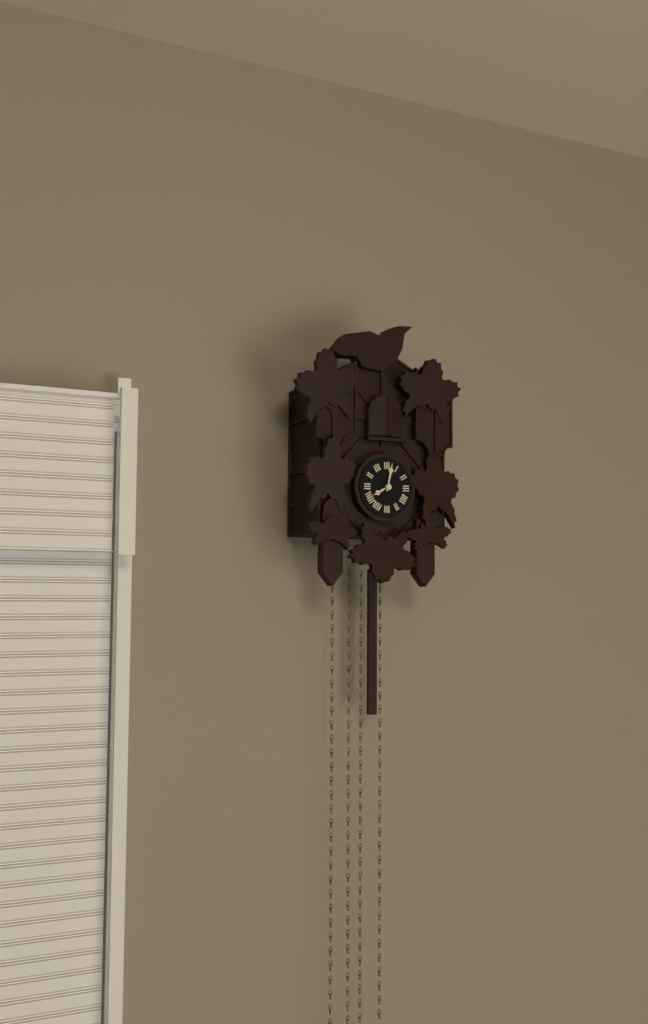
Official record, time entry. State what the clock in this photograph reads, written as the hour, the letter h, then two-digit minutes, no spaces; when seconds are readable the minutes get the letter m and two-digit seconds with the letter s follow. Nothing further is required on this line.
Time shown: 8h02
